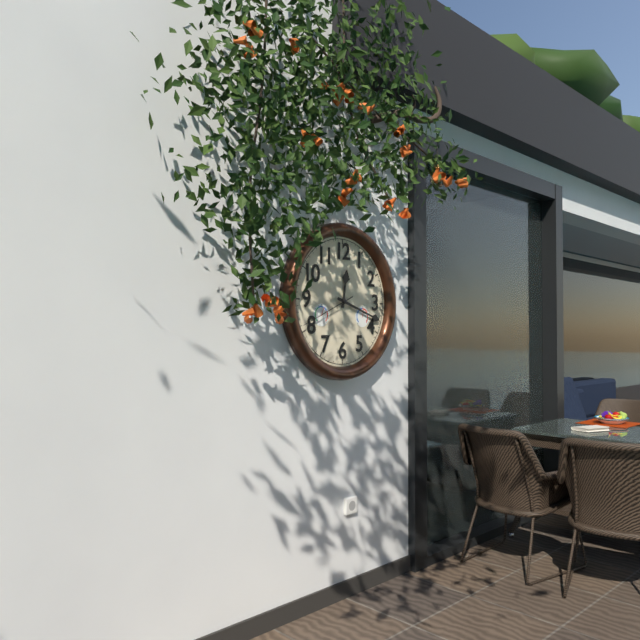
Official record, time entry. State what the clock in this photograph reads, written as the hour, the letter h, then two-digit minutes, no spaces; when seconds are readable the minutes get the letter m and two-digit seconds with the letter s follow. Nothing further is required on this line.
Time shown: 12h18m41s
